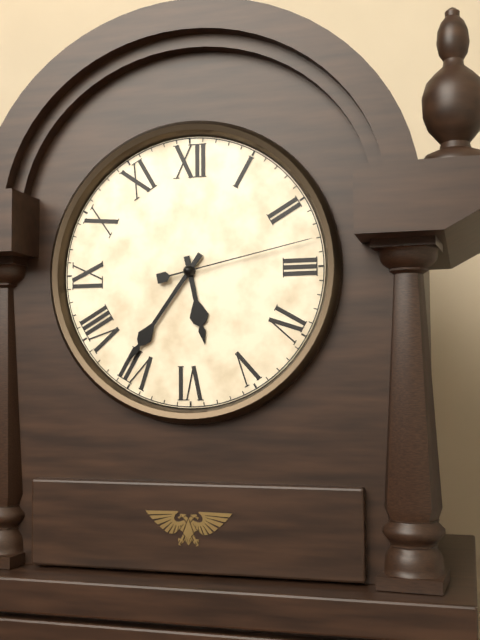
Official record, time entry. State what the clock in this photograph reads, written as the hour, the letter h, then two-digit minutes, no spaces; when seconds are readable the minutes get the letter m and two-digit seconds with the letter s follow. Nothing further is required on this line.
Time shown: 5h36m13s
